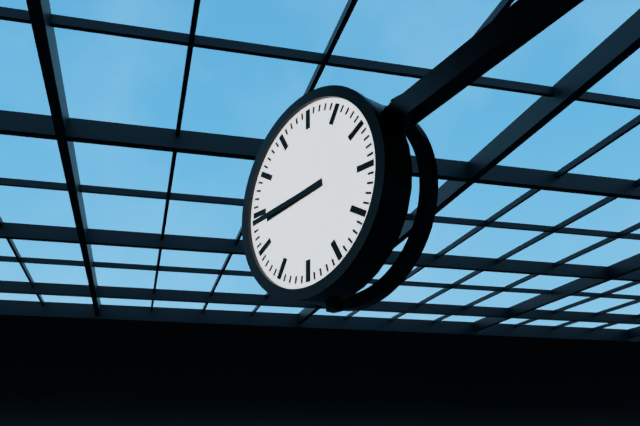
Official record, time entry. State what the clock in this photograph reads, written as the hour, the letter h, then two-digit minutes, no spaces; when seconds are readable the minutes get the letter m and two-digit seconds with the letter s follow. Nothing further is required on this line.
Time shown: 8h44
